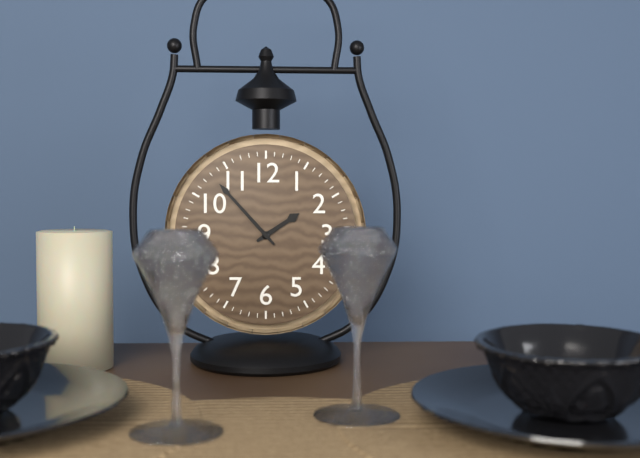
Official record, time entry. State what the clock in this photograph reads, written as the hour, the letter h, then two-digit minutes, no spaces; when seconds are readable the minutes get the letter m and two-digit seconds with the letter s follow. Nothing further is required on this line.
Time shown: 1h53
